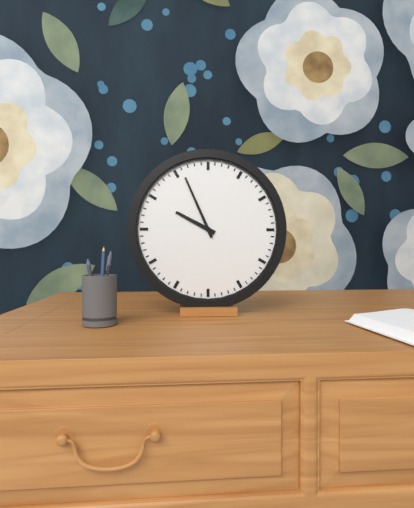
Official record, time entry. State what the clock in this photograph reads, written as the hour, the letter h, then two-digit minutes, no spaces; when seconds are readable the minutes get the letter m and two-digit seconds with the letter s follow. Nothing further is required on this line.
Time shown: 9h56
